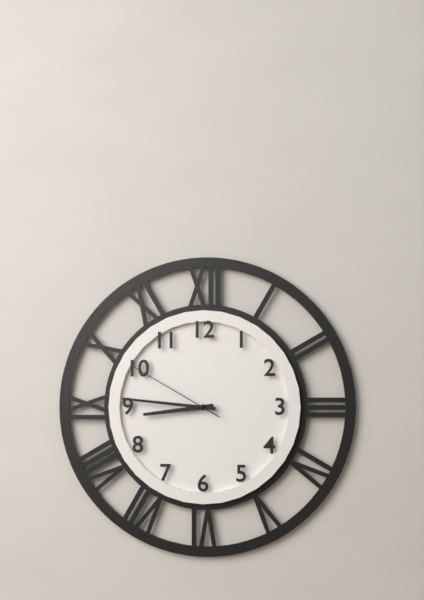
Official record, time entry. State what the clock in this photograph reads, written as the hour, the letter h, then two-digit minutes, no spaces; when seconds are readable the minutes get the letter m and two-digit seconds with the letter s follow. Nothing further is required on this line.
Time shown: 8h46m50s
